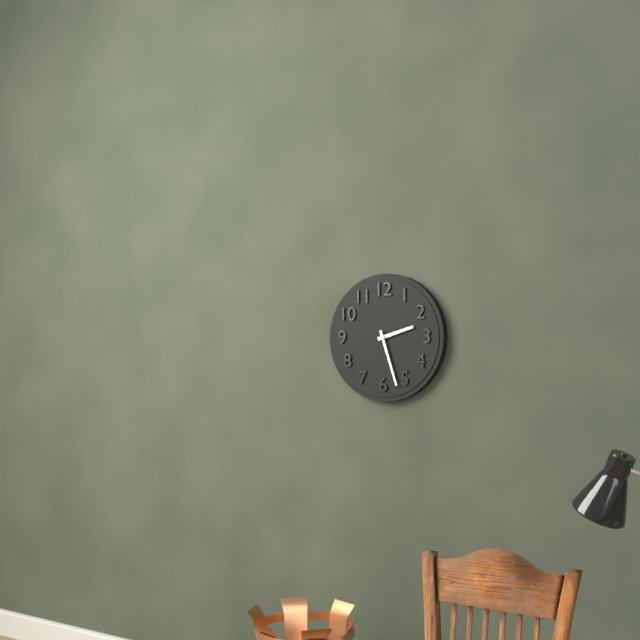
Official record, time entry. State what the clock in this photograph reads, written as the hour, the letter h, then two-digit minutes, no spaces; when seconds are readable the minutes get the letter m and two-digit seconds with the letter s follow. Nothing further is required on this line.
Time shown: 2h27
